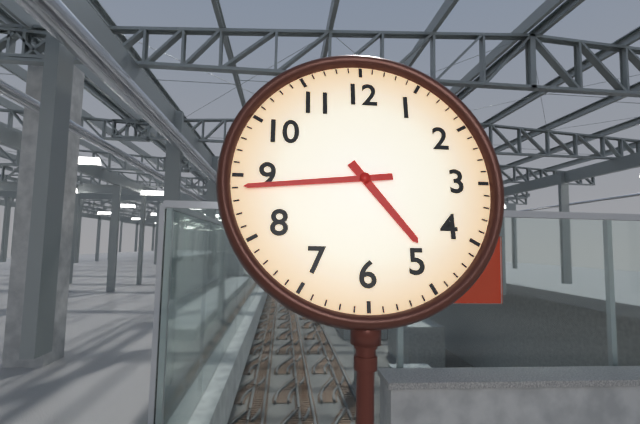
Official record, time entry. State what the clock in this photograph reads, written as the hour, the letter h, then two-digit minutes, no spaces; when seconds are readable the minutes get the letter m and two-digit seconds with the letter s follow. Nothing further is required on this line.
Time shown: 4h44
